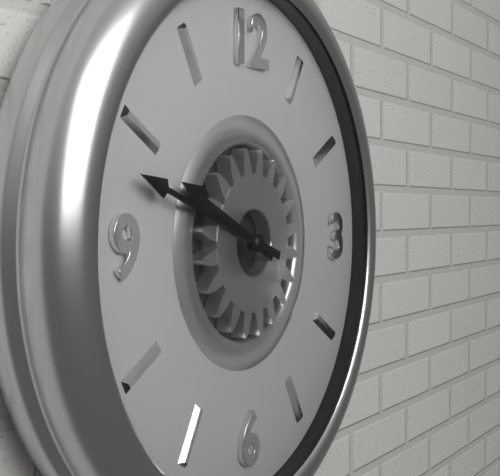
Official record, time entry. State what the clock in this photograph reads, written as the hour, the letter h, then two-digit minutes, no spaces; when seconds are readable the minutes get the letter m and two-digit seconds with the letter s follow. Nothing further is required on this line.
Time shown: 9h48
